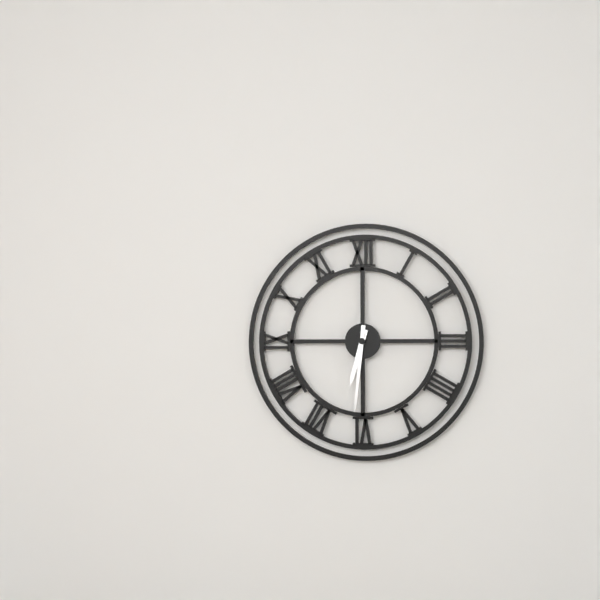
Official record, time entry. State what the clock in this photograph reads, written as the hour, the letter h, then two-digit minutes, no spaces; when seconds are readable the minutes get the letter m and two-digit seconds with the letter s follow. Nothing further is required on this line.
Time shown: 6h31
